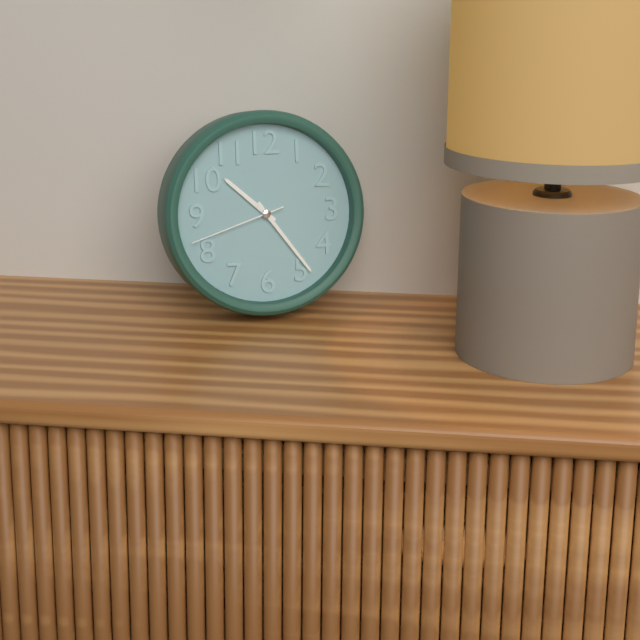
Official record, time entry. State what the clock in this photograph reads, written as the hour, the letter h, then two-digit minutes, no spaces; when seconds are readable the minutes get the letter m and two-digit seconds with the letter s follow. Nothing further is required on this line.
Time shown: 10h24m42s
